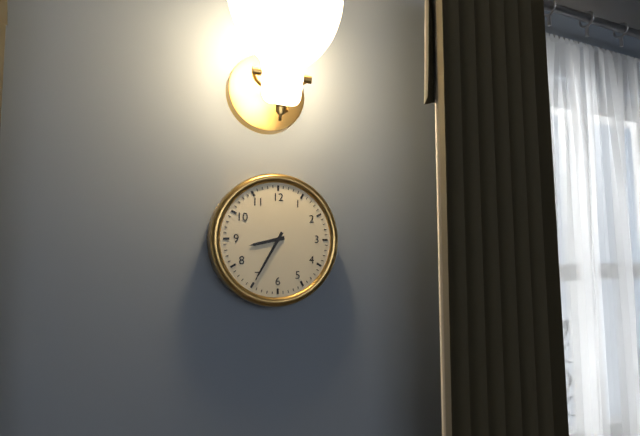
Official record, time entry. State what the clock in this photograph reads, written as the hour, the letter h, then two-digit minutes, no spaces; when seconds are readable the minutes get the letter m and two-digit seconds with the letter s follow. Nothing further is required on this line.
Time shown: 8h35
